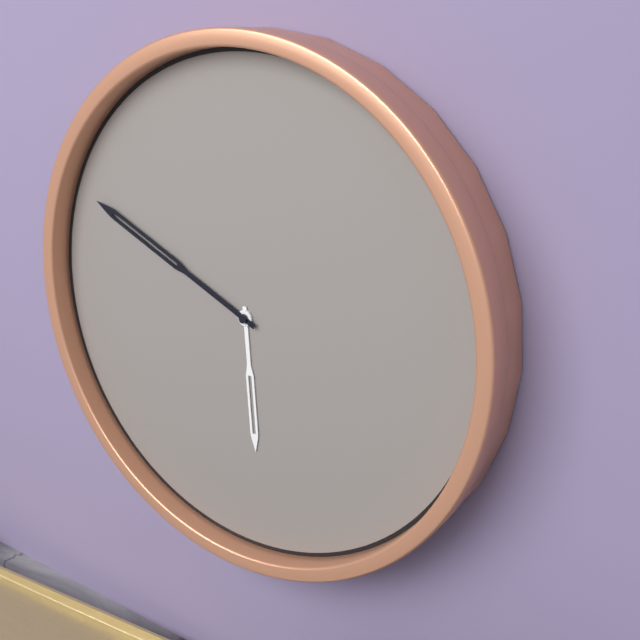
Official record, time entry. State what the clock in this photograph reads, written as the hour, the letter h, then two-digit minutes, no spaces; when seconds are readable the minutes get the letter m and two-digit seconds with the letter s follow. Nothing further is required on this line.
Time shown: 5h49
